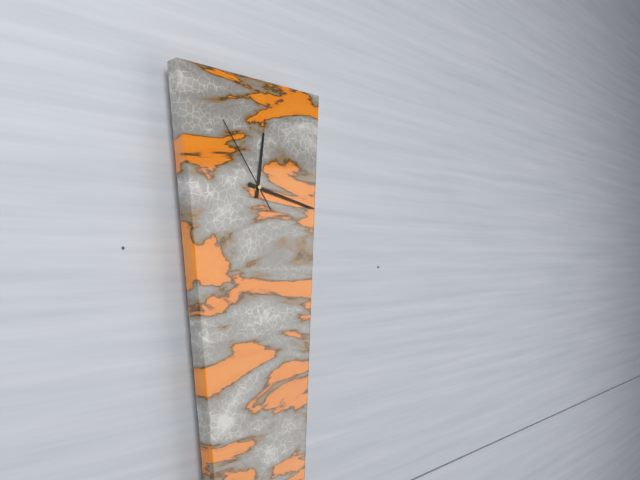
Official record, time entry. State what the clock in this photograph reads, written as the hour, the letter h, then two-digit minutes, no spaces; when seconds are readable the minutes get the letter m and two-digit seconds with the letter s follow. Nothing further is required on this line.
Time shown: 12h17m54s
